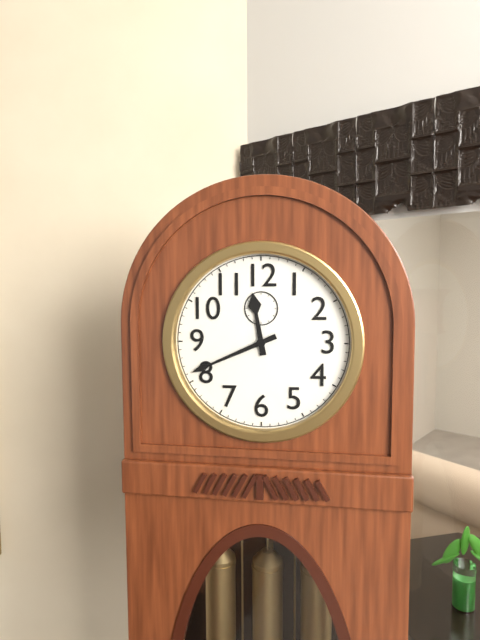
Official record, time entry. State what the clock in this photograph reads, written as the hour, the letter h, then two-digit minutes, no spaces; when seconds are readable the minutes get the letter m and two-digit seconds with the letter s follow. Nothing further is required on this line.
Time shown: 11h41
